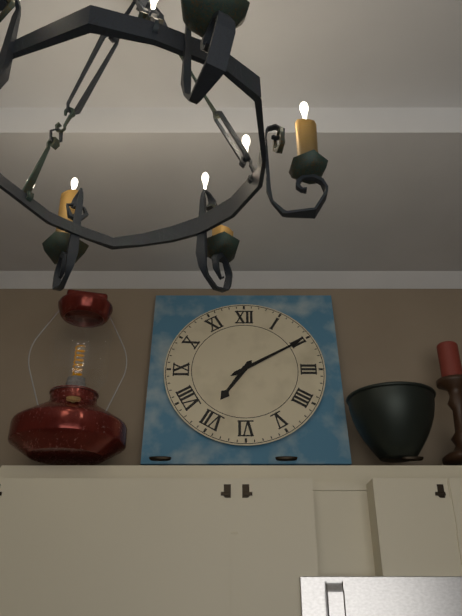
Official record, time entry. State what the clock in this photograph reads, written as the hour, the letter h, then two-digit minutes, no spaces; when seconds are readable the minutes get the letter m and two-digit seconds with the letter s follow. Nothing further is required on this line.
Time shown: 7h10
